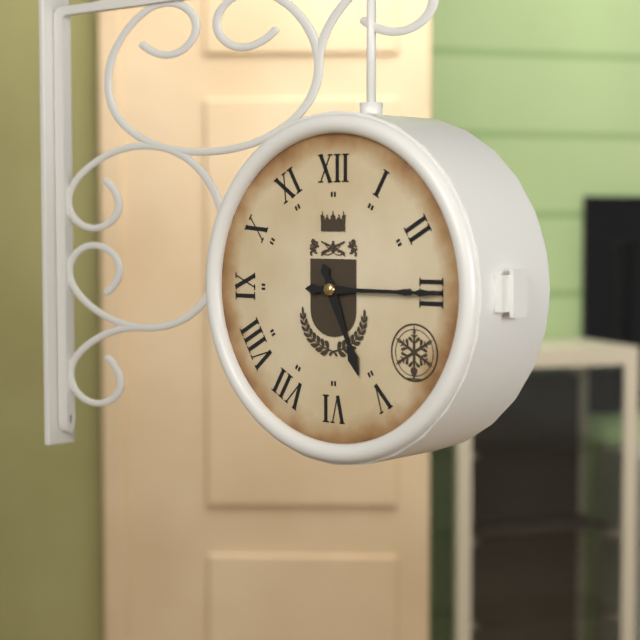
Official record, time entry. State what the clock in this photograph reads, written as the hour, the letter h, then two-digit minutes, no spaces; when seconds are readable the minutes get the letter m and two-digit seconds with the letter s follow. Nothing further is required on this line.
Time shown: 5h15
